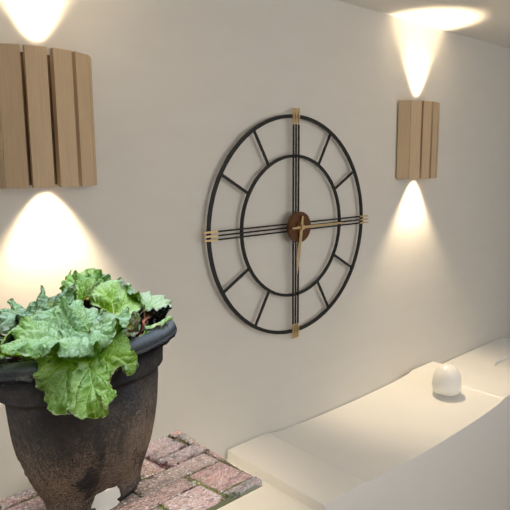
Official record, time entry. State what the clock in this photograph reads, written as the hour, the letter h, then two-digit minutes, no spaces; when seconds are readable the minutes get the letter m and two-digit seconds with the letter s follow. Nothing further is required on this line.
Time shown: 6h15
